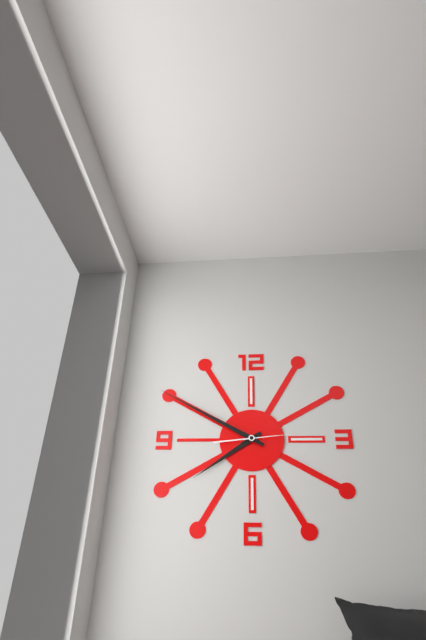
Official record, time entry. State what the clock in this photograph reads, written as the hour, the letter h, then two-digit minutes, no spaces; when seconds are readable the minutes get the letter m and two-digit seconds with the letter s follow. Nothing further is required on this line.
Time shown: 7h50m14s
